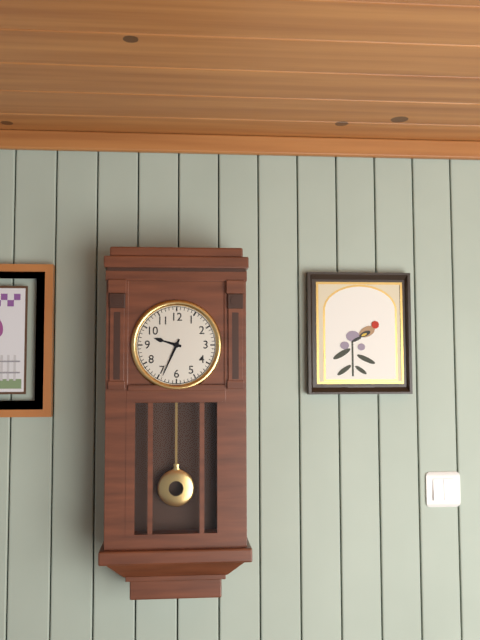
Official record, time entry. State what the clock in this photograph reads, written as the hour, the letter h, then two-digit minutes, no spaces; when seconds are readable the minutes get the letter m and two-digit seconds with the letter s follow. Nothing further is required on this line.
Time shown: 9h34
